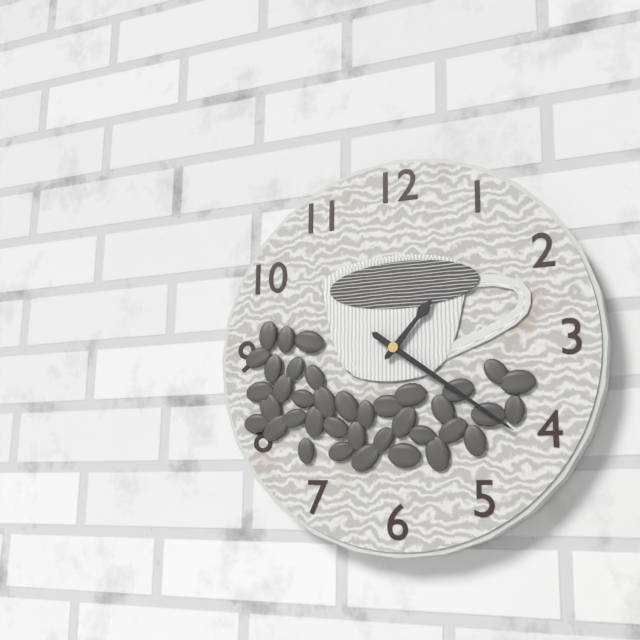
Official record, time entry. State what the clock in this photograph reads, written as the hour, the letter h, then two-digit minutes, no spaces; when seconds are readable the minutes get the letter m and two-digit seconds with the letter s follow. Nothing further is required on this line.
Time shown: 1h21
